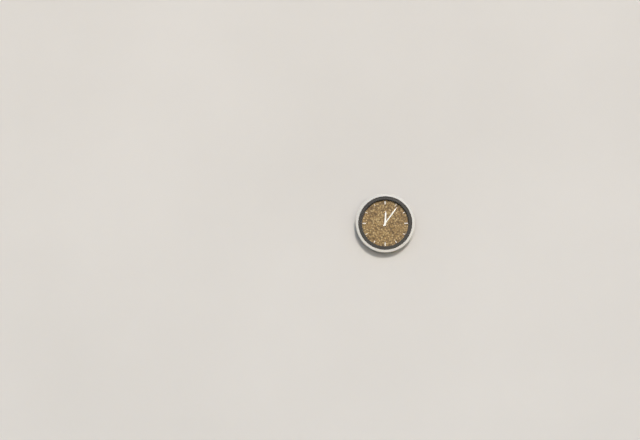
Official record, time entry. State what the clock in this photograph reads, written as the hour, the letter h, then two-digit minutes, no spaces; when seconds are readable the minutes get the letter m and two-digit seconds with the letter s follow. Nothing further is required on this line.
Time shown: 12h06
